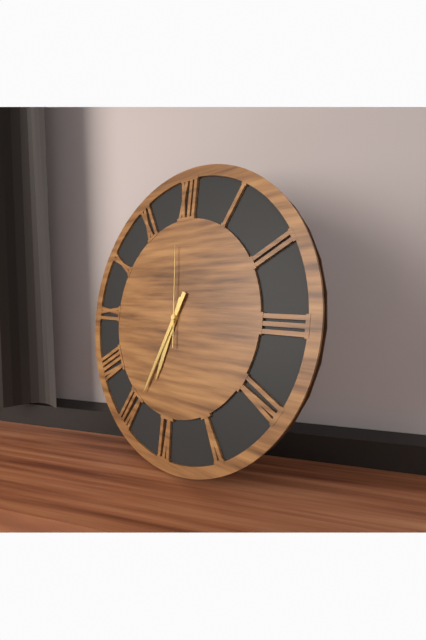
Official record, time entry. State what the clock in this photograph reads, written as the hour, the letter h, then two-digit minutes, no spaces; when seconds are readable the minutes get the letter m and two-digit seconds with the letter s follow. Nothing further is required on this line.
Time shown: 6h34m59s
